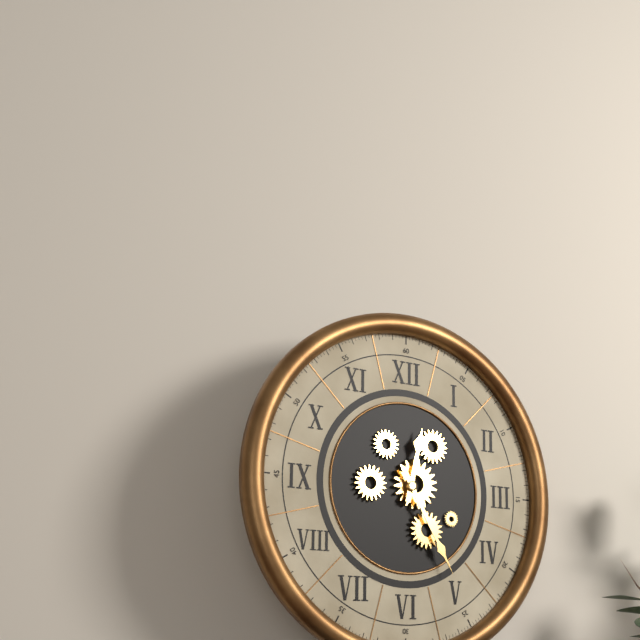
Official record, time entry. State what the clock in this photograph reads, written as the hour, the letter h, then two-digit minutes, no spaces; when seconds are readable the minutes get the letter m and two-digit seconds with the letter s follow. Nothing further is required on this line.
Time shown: 12h25
